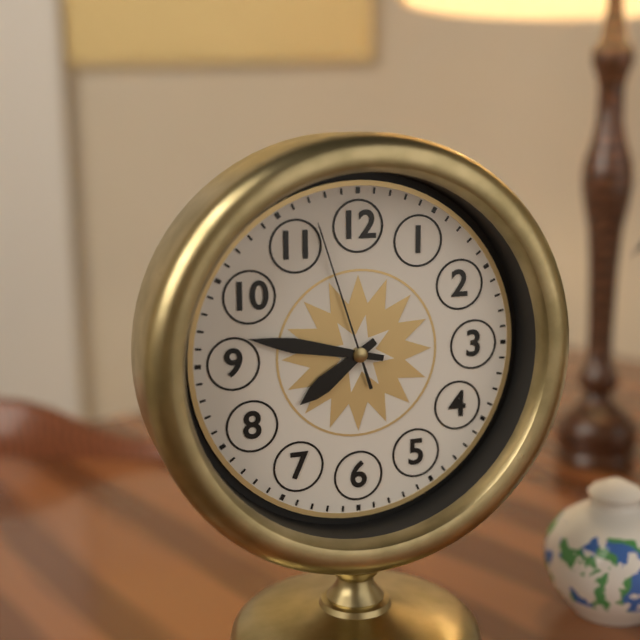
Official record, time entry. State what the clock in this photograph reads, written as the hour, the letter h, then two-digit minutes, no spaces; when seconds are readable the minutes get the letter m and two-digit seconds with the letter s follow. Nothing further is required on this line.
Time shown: 7h47m57s
